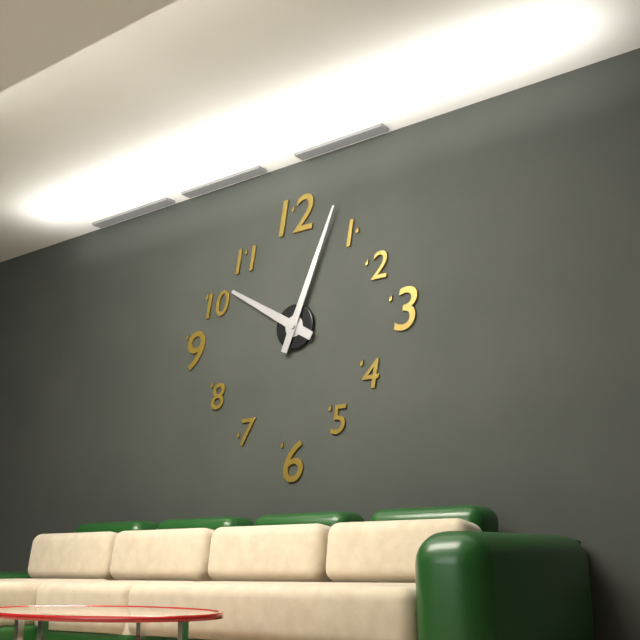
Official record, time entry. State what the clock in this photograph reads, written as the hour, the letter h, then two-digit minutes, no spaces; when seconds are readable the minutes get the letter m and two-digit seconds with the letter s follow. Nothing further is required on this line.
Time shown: 10h04
